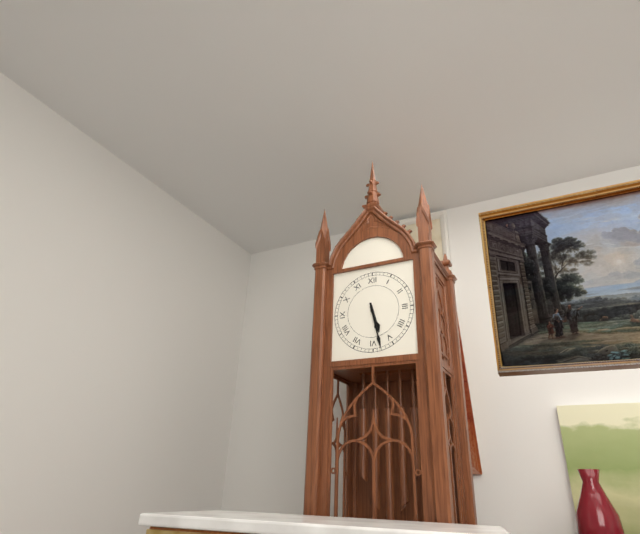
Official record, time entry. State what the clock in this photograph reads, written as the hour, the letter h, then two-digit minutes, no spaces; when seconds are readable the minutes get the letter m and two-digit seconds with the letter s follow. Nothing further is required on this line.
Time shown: 5h28
